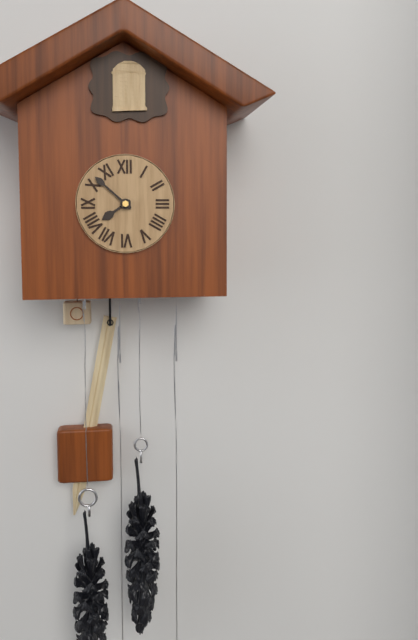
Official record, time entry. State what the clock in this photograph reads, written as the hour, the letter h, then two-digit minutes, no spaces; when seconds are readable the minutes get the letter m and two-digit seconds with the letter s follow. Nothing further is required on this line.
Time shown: 7h52
